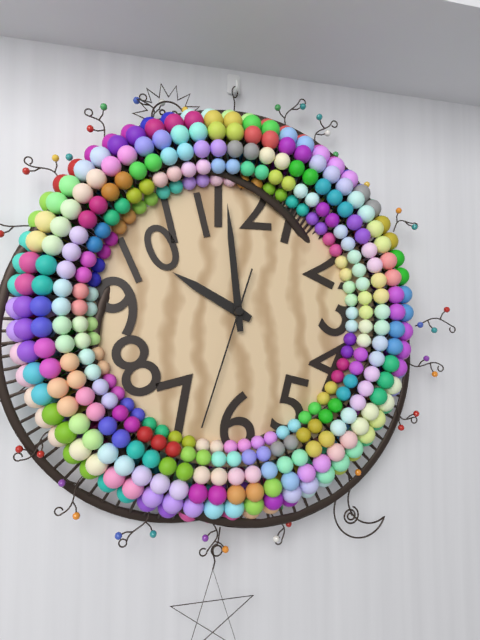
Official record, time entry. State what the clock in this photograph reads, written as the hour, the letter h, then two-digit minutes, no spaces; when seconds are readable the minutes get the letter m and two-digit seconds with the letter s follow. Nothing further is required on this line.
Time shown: 9h59m33s
